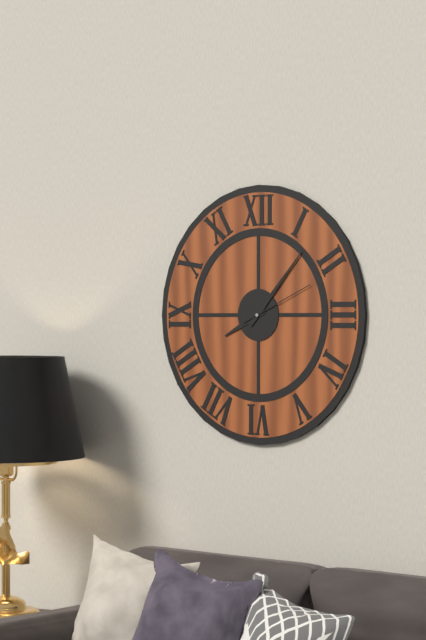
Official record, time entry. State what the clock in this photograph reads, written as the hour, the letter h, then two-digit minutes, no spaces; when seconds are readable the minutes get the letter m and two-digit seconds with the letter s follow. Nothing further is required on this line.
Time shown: 8h07m11s
